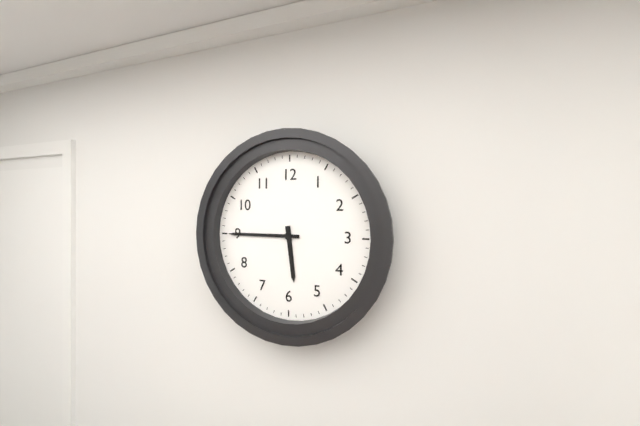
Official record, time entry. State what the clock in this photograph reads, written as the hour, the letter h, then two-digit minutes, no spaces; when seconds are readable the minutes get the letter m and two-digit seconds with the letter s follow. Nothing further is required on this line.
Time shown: 5h45
